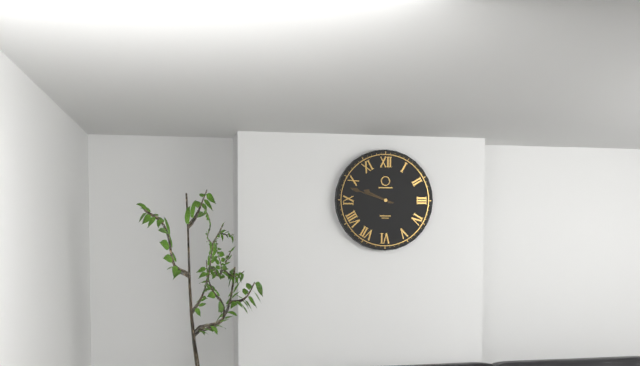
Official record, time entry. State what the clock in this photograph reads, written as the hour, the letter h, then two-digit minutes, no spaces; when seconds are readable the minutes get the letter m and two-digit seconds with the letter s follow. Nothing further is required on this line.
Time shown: 9h48
